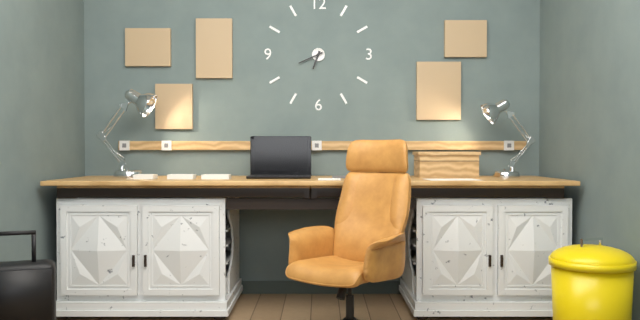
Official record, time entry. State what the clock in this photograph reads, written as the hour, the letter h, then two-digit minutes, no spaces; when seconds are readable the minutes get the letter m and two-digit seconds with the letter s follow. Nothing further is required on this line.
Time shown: 6h41
